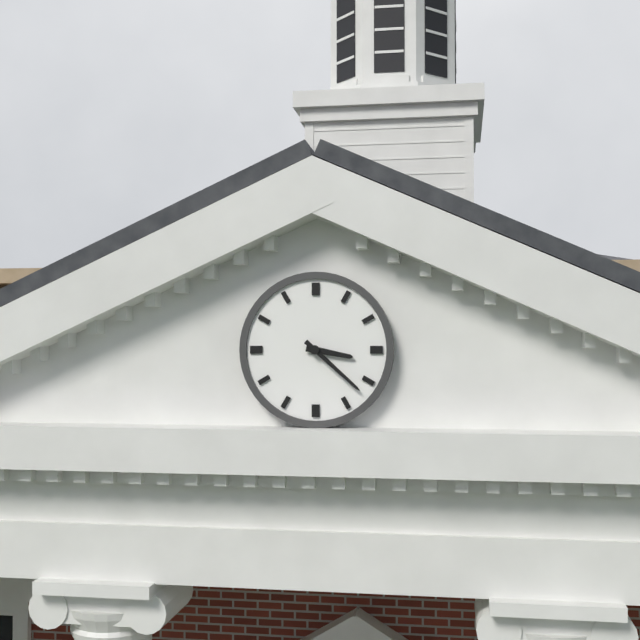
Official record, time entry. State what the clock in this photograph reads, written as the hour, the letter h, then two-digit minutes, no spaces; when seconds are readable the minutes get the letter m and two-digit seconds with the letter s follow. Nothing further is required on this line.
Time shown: 3h22
